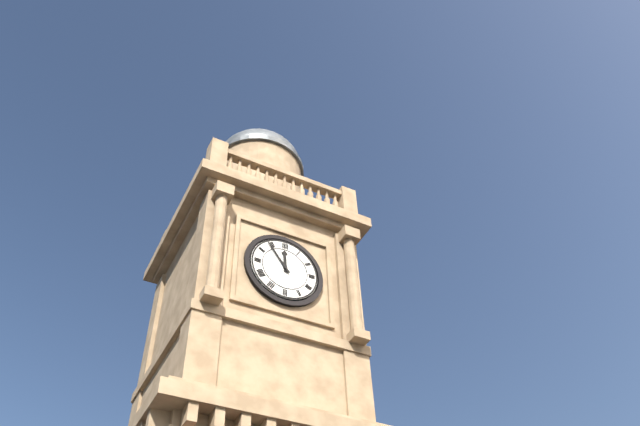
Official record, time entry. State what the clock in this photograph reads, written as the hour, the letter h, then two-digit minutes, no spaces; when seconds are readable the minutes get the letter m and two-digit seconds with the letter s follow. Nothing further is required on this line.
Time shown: 11h54
